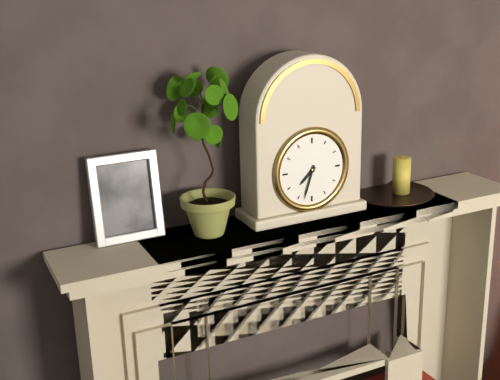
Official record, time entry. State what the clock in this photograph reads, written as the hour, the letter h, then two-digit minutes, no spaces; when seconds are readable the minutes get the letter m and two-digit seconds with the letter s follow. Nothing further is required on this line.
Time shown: 7h33
